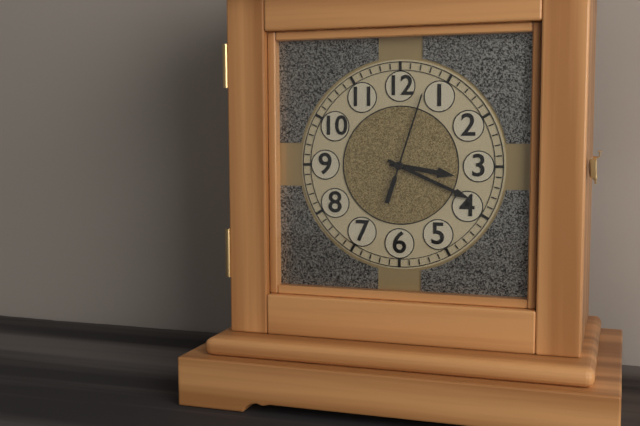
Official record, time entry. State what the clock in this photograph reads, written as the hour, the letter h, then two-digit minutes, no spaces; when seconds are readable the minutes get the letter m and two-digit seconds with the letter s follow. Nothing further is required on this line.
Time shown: 3h19m03s
